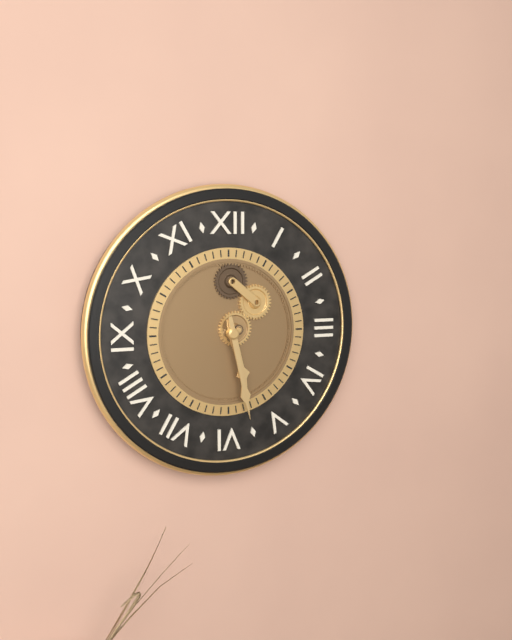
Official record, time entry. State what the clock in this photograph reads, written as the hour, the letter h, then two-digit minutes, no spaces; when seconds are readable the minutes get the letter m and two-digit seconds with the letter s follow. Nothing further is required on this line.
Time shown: 5h28
